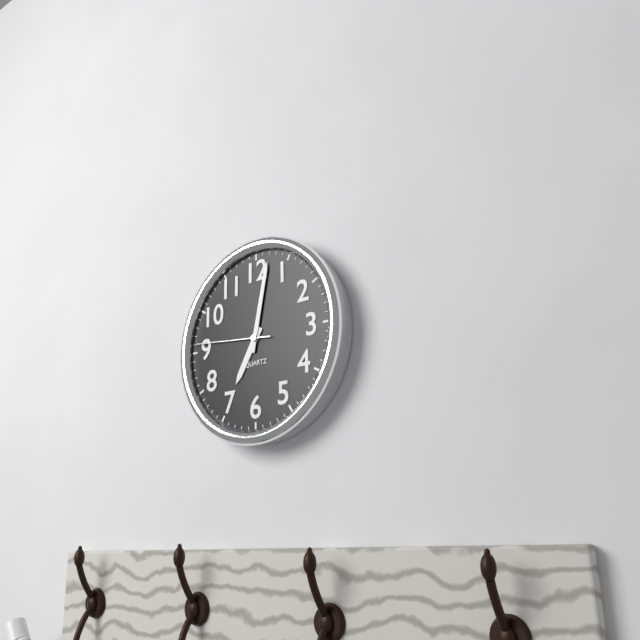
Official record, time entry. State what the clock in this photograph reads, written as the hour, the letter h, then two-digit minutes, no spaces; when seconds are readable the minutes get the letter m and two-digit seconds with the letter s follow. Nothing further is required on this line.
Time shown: 7h02m46s
